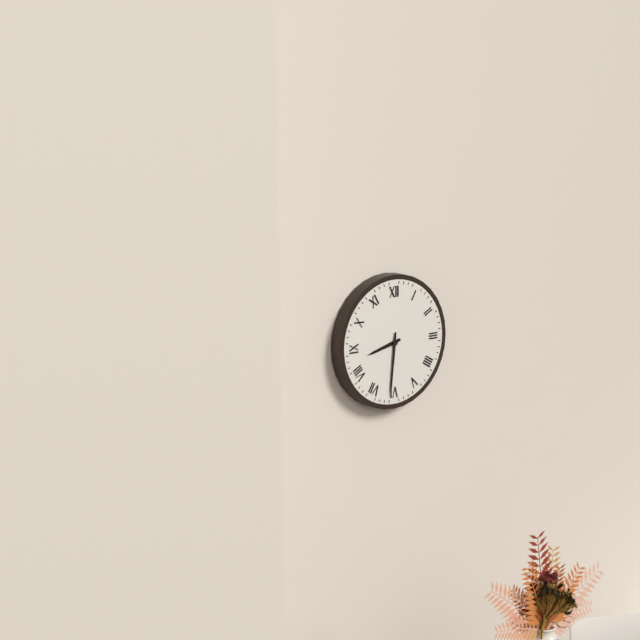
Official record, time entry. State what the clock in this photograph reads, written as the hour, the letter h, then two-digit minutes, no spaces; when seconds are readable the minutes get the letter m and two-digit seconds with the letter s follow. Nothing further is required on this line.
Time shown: 8h31
